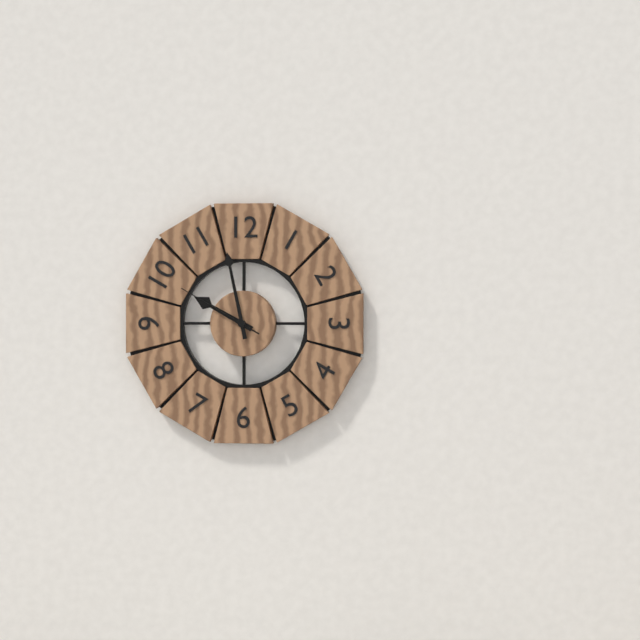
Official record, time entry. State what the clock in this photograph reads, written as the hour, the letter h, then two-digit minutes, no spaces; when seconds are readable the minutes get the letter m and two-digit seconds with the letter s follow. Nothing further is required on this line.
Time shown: 9h58m50s
